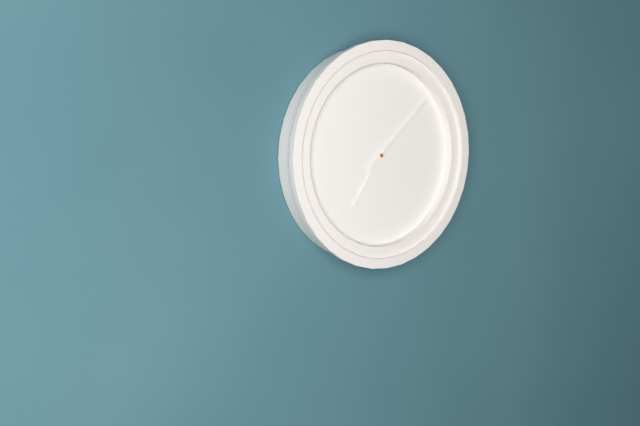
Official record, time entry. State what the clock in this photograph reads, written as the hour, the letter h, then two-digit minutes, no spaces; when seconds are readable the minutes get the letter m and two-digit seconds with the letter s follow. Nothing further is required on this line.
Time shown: 7h08
